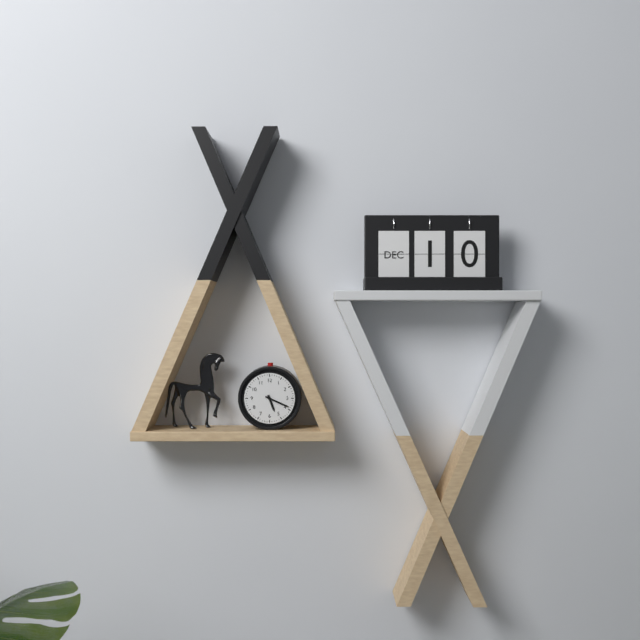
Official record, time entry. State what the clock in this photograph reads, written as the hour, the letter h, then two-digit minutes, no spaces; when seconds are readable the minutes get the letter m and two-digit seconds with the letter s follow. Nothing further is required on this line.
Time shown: 5h19
